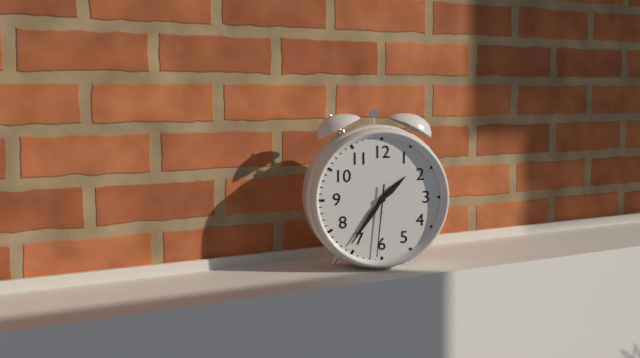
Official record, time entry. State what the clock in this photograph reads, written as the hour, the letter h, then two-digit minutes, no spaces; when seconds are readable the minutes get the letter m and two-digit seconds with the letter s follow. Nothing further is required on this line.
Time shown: 1h36m31s
